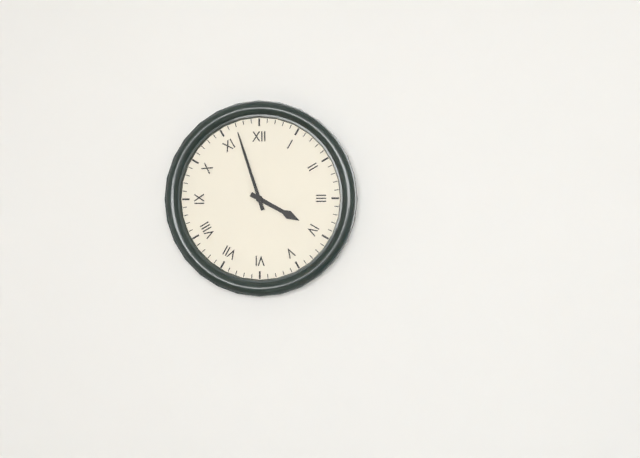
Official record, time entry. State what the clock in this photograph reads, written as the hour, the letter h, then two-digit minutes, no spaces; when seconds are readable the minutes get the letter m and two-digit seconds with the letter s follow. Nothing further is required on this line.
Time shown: 3h57
